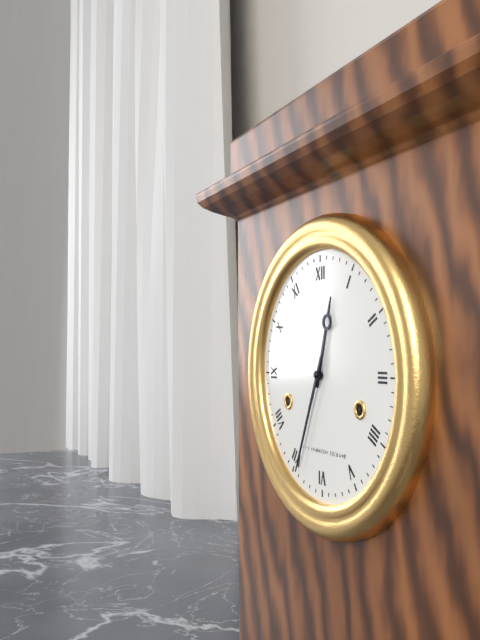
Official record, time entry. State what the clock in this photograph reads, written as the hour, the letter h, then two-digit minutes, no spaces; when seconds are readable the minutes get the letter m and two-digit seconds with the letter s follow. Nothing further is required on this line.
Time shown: 12h34
